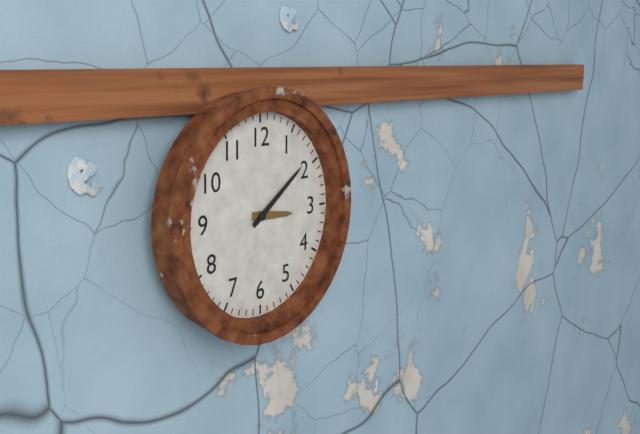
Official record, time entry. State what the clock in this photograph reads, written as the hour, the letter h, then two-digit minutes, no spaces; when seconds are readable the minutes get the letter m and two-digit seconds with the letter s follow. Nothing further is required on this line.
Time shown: 3h09
